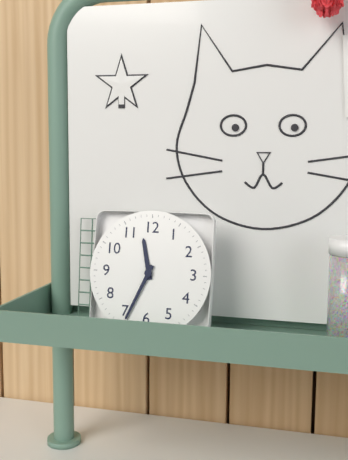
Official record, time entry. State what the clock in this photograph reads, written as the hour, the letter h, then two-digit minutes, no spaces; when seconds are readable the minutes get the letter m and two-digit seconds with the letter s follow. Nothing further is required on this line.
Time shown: 11h34
